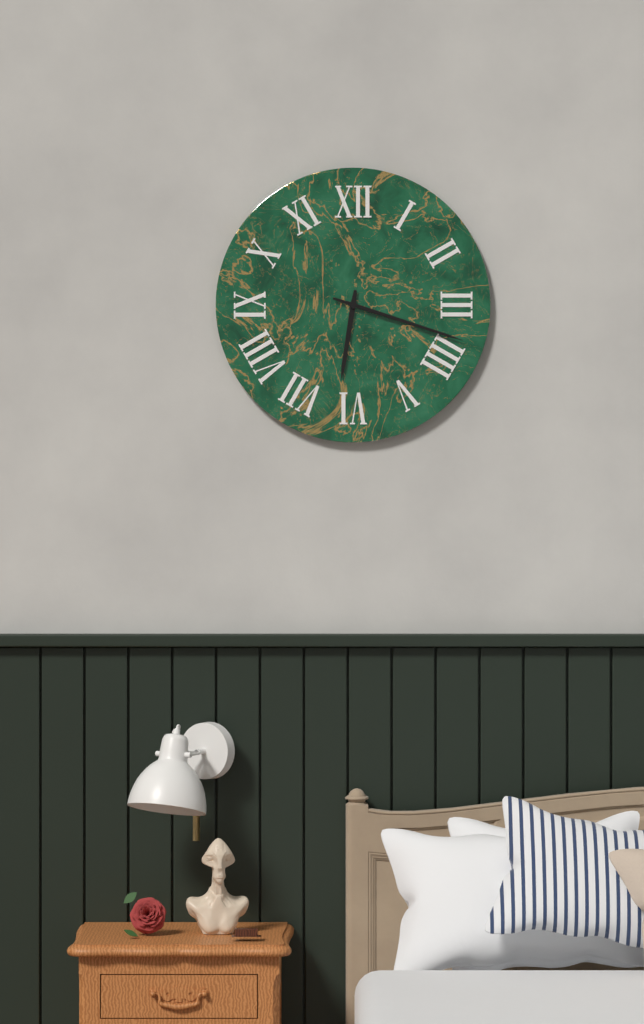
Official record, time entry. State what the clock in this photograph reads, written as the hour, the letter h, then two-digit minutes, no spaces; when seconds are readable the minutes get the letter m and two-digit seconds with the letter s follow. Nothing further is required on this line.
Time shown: 6h18
